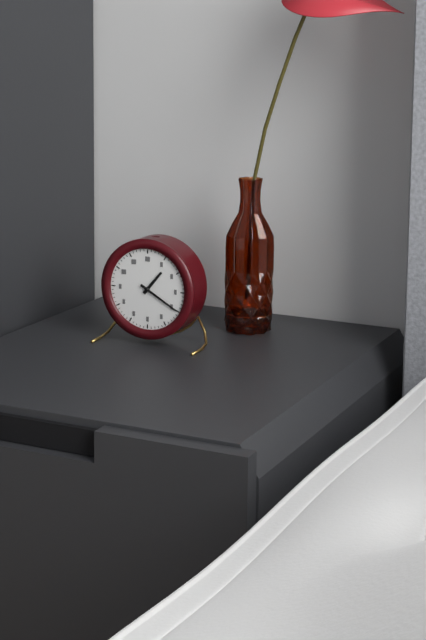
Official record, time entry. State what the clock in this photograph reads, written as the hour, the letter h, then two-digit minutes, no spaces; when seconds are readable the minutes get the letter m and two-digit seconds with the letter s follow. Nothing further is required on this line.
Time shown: 1h20
